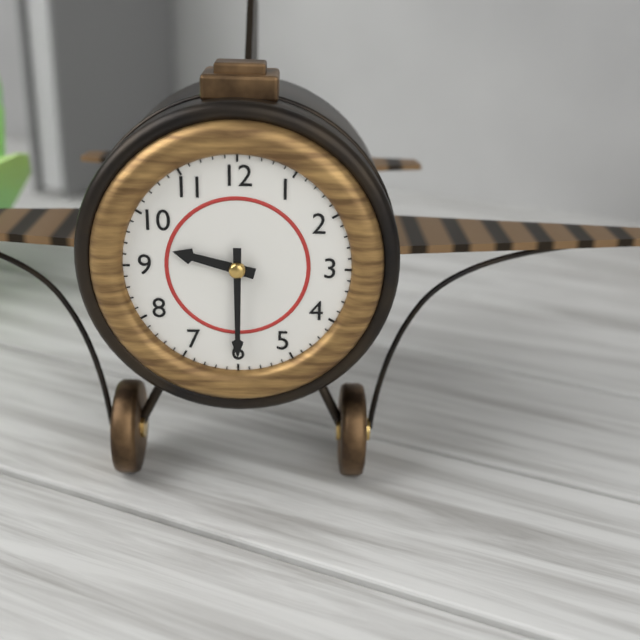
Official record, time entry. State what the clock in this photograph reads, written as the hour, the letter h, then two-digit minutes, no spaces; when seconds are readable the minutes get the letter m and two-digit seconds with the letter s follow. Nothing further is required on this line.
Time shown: 9h30
